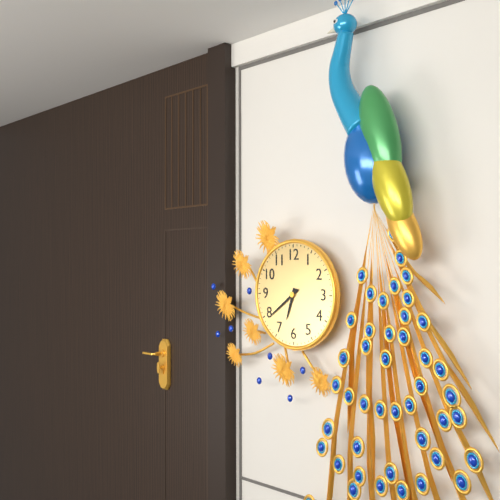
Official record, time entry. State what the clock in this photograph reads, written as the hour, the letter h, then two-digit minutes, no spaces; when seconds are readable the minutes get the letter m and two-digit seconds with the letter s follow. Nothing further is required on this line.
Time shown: 6h39
